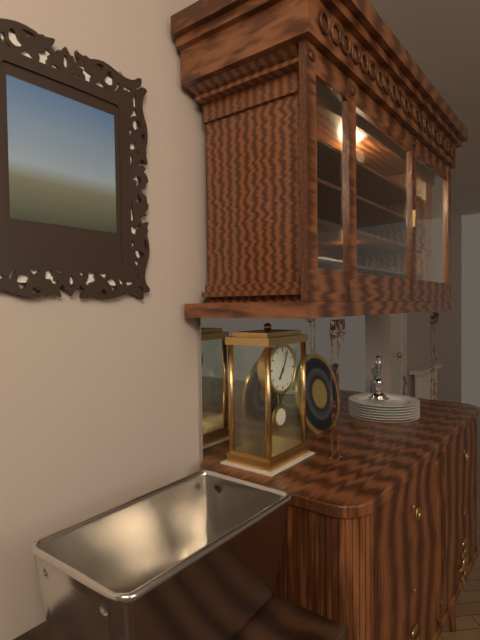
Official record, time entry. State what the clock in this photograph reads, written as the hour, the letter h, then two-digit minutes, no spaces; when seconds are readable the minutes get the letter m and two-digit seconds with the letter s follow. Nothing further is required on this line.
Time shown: 7h04
